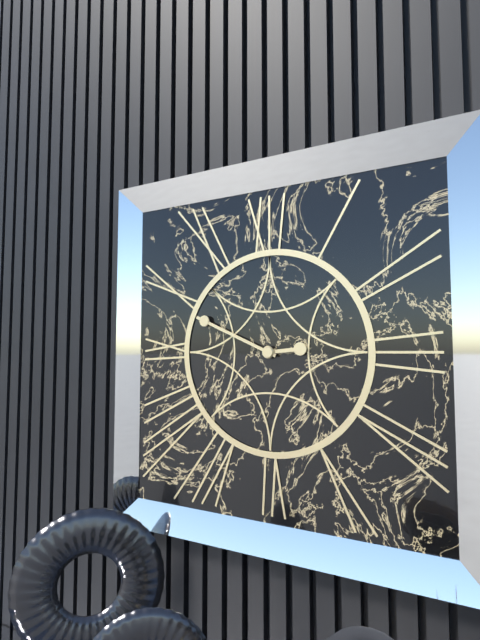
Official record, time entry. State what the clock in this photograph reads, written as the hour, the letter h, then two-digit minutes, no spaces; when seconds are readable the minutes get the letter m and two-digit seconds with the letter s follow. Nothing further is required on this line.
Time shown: 2h49
